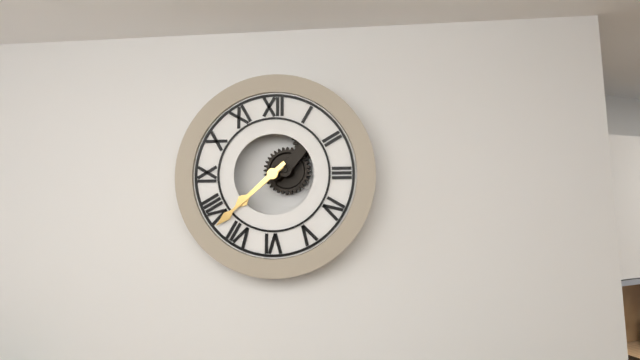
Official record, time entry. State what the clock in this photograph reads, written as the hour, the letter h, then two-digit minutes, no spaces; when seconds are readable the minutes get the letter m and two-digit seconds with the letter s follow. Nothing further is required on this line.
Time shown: 7h38
